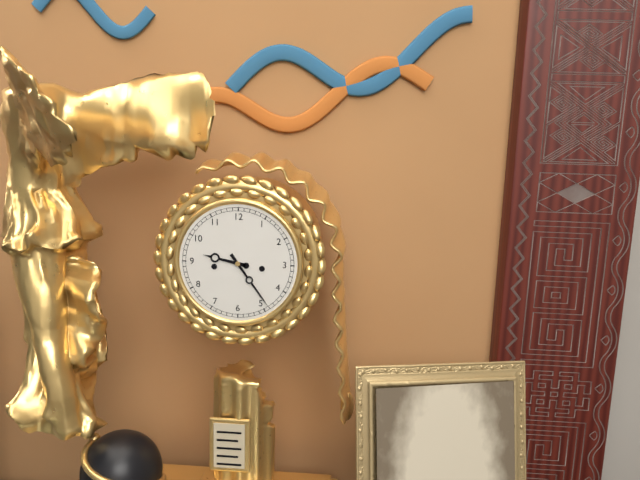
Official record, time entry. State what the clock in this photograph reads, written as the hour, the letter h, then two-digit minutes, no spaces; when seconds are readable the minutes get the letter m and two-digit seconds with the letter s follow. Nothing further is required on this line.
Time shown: 9h24
